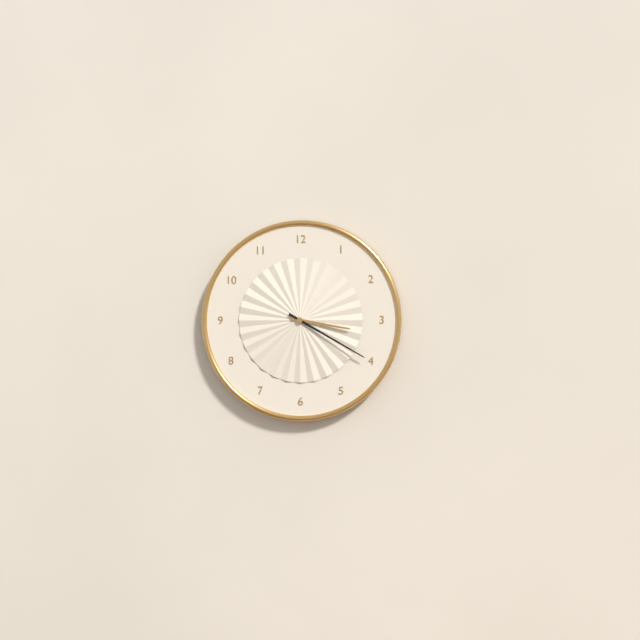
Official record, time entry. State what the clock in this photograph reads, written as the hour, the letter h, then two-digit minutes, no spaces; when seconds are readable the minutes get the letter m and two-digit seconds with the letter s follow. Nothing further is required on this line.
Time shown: 3h20
